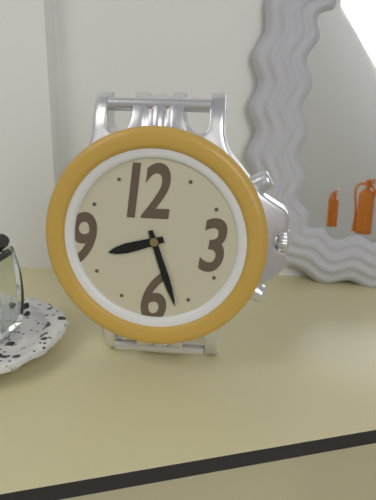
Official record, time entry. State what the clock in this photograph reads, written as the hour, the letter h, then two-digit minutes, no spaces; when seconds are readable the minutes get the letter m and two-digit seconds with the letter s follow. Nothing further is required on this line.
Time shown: 8h27
